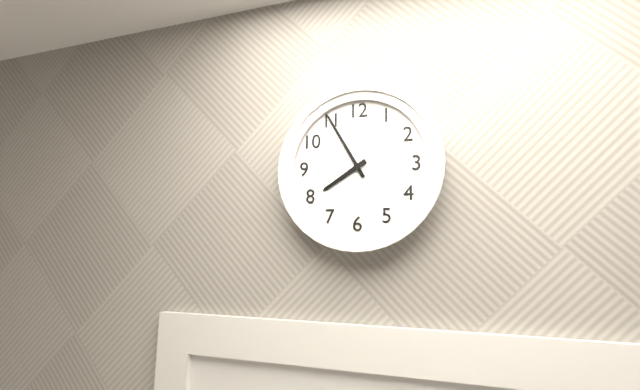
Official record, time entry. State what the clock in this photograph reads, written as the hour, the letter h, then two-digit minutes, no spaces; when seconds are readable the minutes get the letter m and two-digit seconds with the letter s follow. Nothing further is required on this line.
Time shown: 7h55
